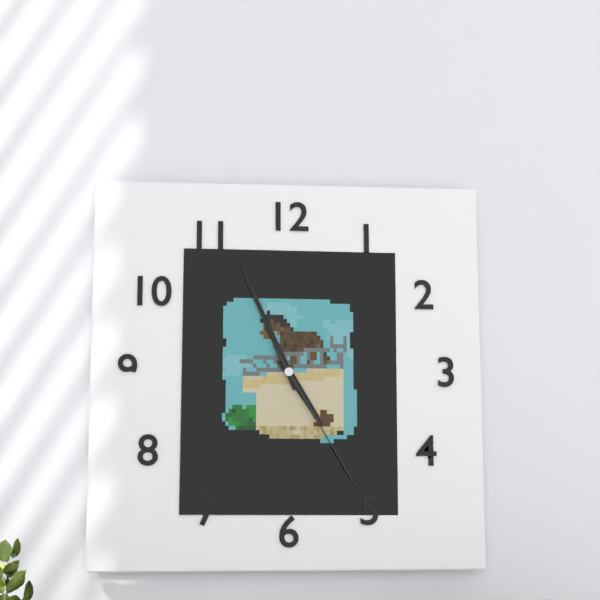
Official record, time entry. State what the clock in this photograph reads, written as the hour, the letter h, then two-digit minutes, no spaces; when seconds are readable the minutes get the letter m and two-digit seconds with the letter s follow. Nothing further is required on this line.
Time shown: 4h56m25s
